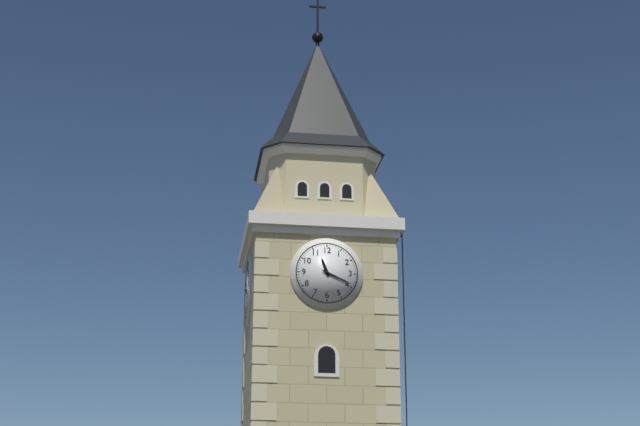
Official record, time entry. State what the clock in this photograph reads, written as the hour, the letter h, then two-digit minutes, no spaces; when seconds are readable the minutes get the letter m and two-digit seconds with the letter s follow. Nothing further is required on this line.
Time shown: 11h19
